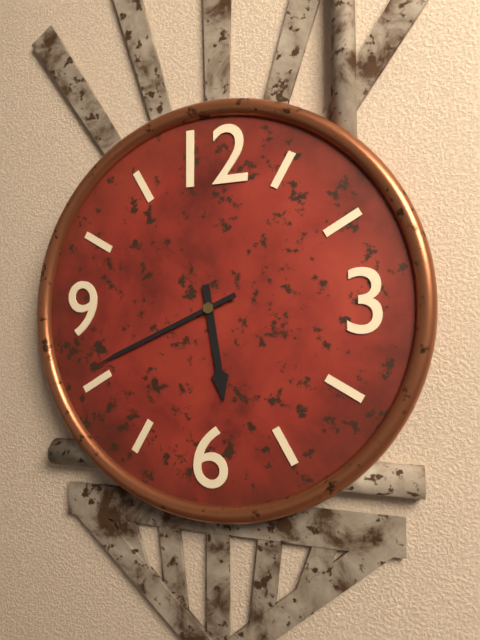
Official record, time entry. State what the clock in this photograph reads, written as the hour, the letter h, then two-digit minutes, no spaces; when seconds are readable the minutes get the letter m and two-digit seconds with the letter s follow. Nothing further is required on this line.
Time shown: 5h41
